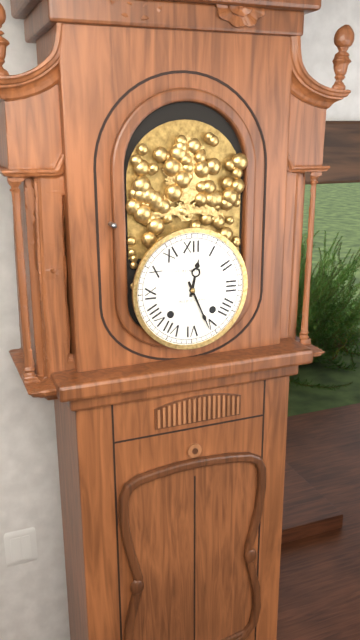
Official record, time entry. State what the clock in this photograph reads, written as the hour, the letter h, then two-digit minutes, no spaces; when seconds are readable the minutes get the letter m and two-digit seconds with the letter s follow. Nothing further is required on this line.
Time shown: 12h26
